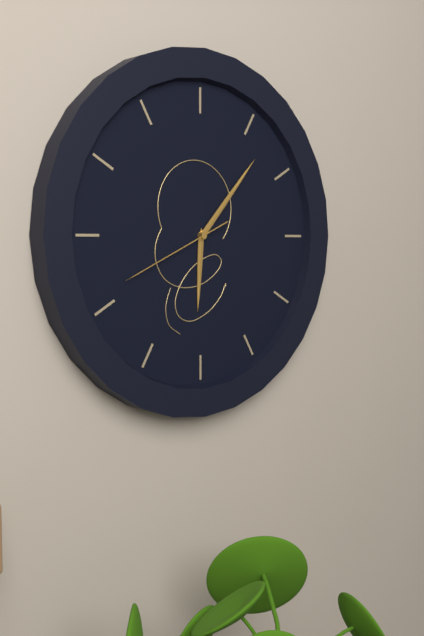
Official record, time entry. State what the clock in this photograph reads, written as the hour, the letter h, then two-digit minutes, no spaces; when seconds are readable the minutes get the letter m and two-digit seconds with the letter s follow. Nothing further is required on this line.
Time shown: 6h07m41s
